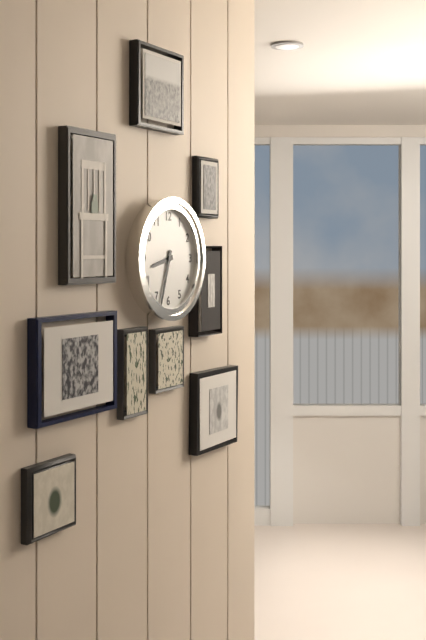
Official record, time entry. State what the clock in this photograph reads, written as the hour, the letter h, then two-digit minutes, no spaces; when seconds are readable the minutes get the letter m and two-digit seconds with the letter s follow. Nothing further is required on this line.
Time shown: 8h33
